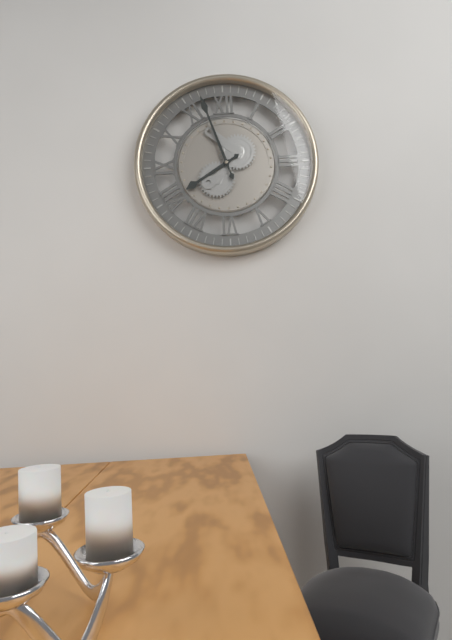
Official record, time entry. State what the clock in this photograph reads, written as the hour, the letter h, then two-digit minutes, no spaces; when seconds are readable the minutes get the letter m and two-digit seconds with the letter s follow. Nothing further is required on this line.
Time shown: 7h57
